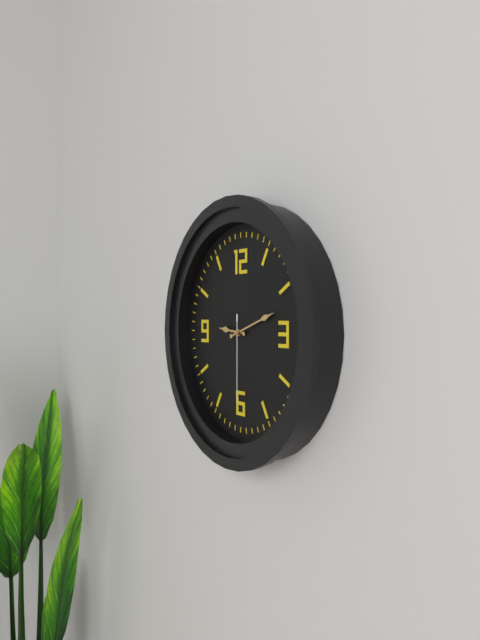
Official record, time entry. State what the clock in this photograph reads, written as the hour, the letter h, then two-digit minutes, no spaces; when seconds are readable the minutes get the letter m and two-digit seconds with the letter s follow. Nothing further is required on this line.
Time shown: 9h12m30s
